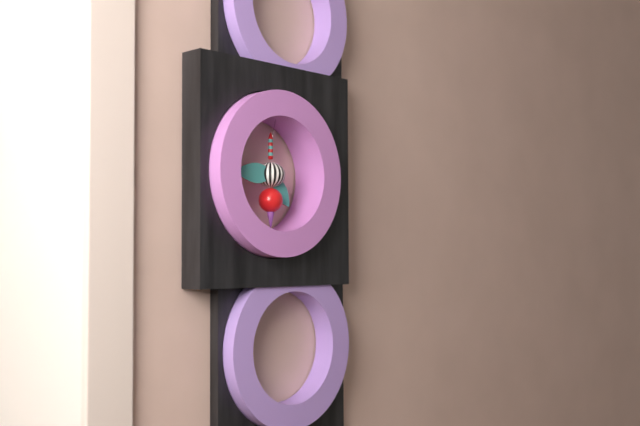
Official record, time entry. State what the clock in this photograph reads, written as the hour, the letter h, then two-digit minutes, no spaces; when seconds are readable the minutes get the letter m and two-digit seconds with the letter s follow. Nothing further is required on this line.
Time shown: 4h45
